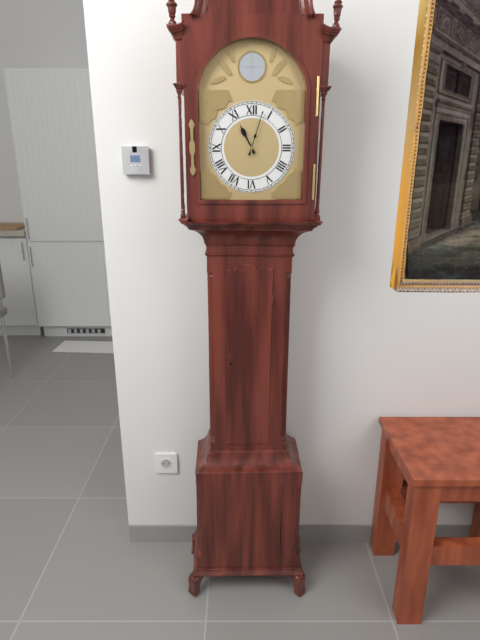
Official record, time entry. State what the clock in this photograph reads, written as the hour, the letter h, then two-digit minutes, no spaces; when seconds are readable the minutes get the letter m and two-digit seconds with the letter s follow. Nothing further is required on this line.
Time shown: 11h03
